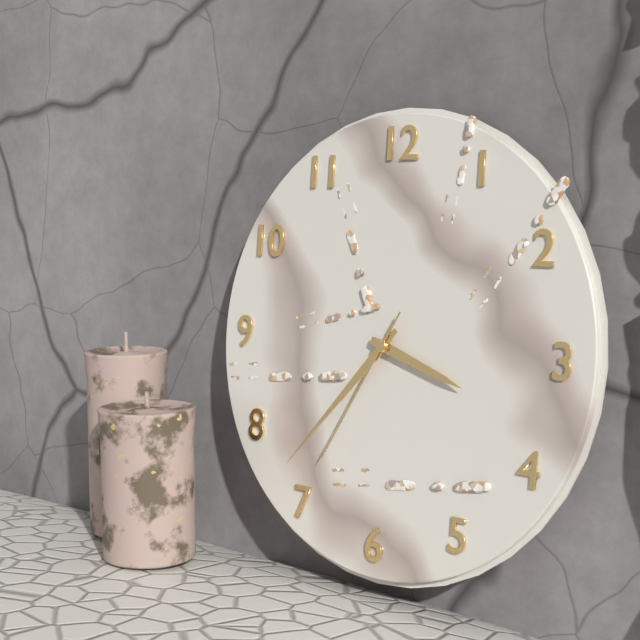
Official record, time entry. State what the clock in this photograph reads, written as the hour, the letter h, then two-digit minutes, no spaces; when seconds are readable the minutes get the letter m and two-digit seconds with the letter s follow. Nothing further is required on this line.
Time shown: 3h37m35s
